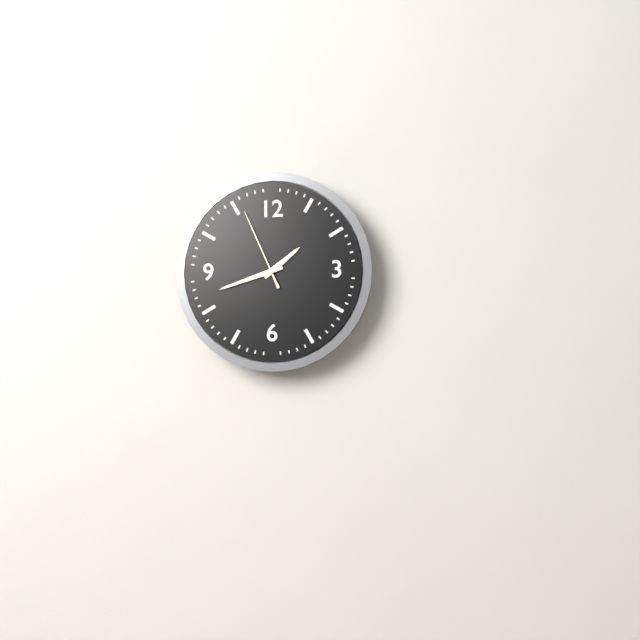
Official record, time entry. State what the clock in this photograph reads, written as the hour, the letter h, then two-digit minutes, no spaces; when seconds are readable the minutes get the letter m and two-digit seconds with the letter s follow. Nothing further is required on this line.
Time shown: 1h42m56s
